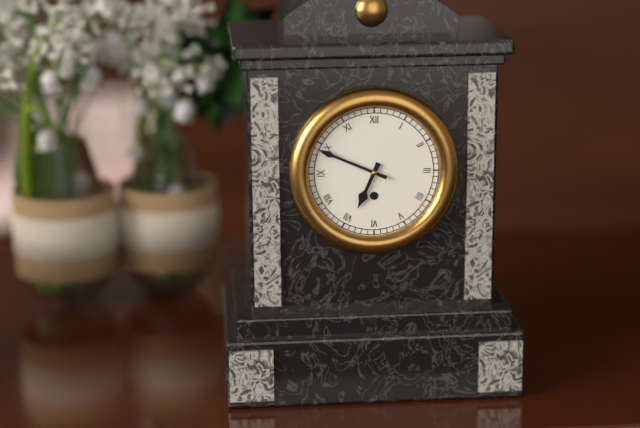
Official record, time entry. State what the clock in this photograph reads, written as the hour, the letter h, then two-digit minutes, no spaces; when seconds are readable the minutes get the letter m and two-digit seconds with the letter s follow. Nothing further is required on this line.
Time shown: 6h49
